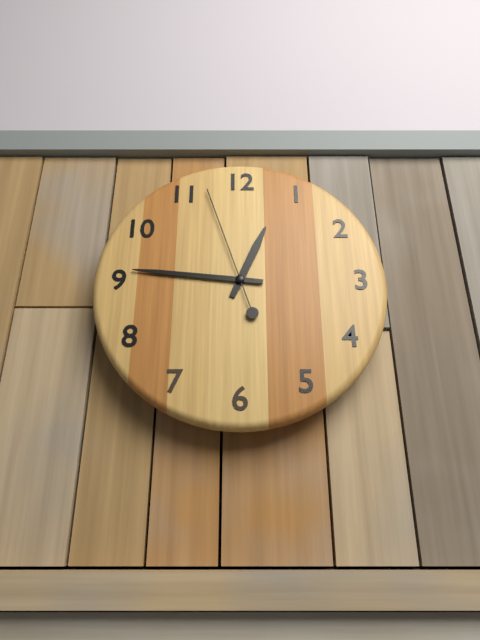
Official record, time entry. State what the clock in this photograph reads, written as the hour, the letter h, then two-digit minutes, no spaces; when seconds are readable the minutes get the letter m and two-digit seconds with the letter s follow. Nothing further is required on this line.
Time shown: 12h46m57s
